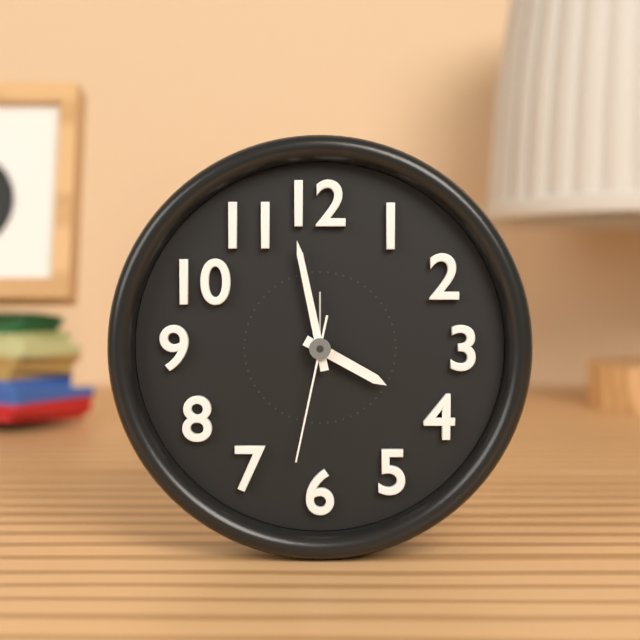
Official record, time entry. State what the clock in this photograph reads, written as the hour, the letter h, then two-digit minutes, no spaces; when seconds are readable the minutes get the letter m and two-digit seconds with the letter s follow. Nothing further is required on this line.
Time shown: 3h58m32s
